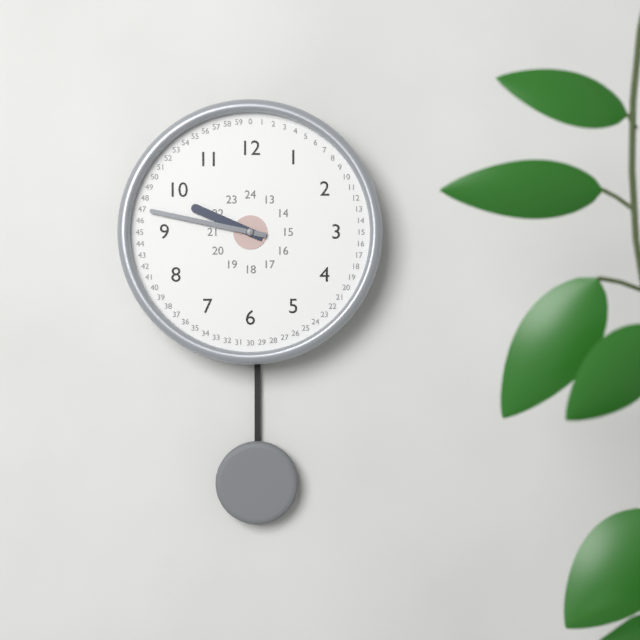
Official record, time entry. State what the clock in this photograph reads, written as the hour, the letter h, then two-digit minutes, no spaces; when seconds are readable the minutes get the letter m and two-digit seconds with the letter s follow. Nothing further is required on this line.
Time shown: 9h47
